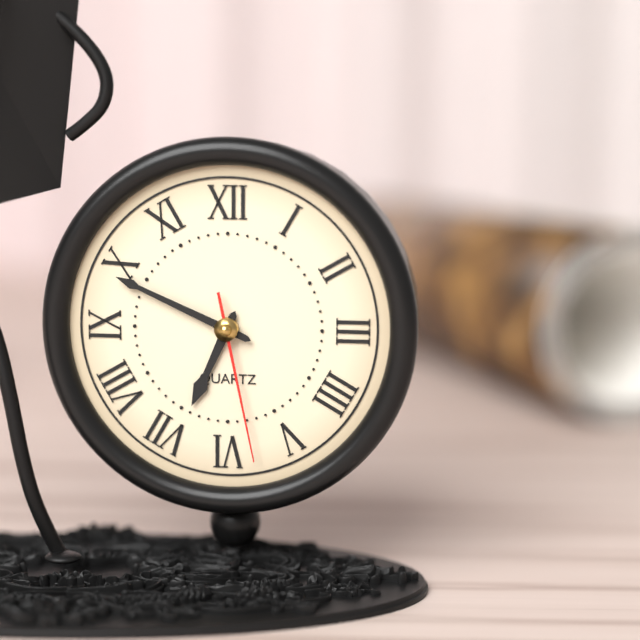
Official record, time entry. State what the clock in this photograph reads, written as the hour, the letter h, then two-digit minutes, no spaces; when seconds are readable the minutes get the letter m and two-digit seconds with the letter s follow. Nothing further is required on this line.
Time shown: 6h49m28s
